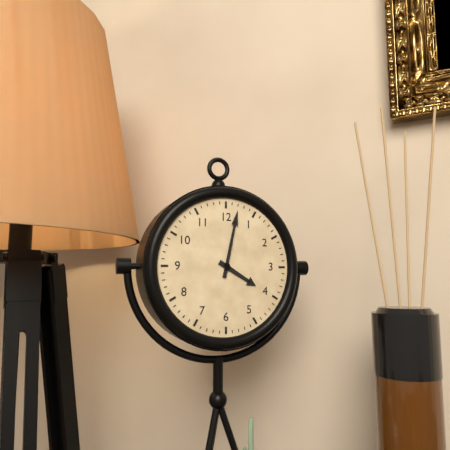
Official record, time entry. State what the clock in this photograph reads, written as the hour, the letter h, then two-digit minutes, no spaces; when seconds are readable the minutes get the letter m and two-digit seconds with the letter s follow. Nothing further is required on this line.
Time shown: 4h02
